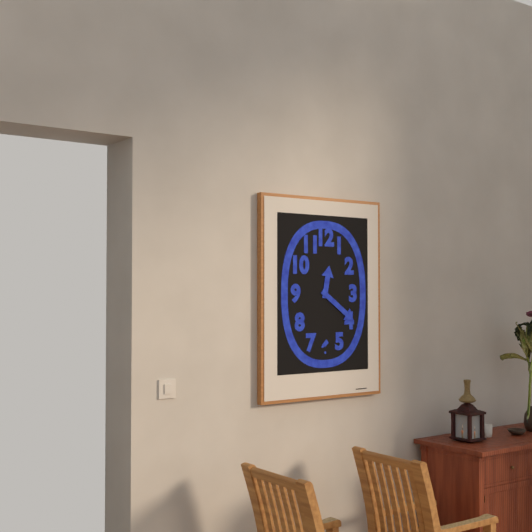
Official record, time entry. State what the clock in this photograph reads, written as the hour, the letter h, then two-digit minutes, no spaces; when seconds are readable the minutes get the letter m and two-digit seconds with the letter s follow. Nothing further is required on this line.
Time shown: 12h21
